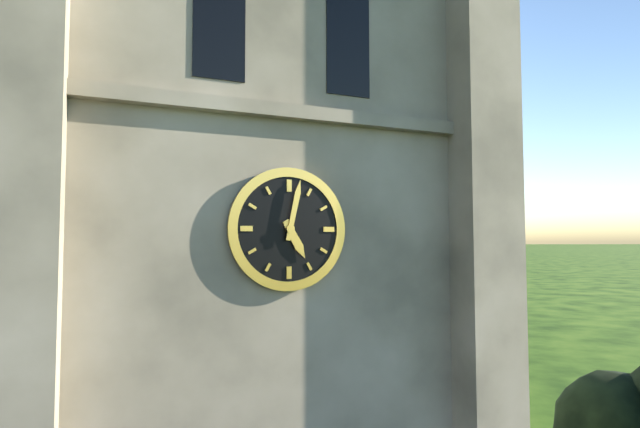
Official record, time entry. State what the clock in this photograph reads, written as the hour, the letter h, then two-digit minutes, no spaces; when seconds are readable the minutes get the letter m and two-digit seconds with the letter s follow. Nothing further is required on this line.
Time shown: 5h02
